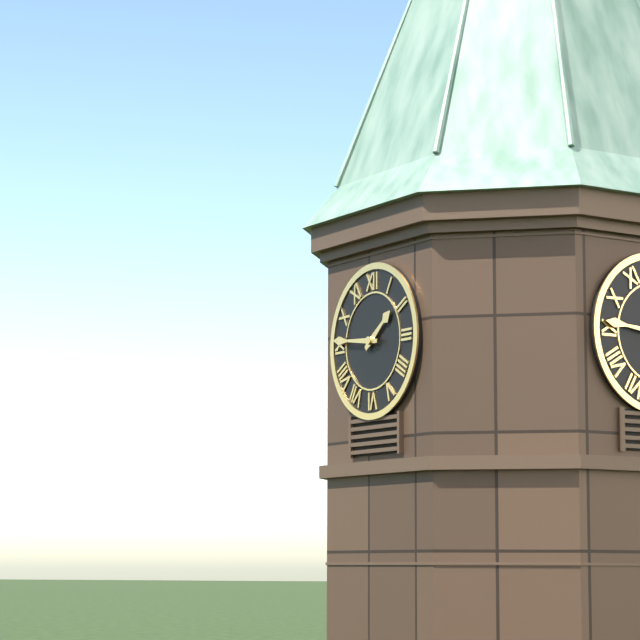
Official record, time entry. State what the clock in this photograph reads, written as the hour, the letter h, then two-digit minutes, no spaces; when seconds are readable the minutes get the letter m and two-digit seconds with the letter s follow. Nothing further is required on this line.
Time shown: 1h46
